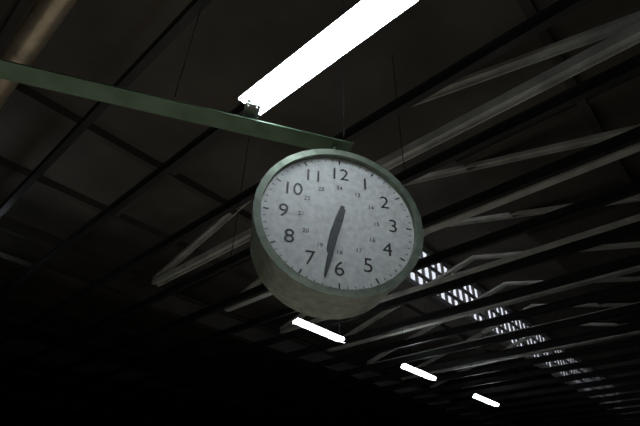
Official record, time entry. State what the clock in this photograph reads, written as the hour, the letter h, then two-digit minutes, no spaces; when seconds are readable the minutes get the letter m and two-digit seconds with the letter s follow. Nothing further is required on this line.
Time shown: 6h32
